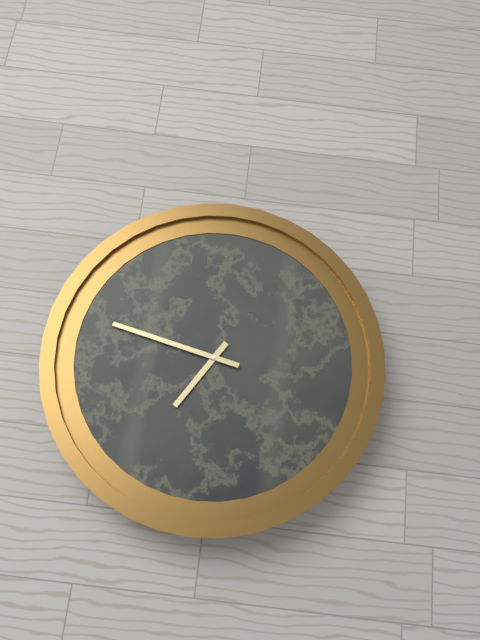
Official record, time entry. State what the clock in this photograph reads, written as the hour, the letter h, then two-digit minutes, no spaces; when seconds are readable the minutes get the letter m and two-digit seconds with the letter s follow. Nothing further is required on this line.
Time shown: 10h02
